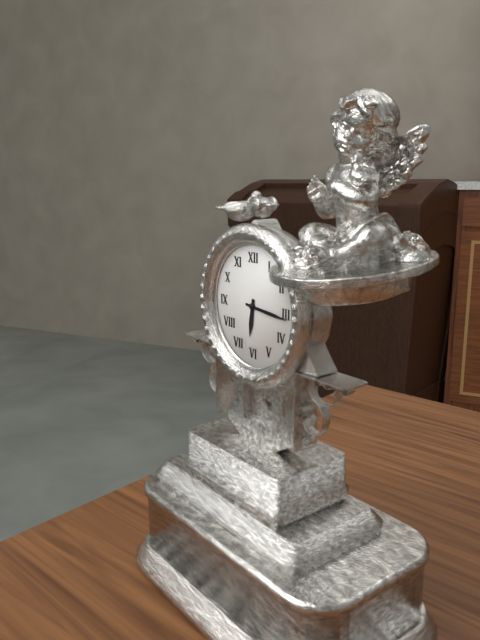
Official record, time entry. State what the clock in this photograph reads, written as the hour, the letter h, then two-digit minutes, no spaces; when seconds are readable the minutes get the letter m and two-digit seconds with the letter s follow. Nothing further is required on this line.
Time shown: 6h16
